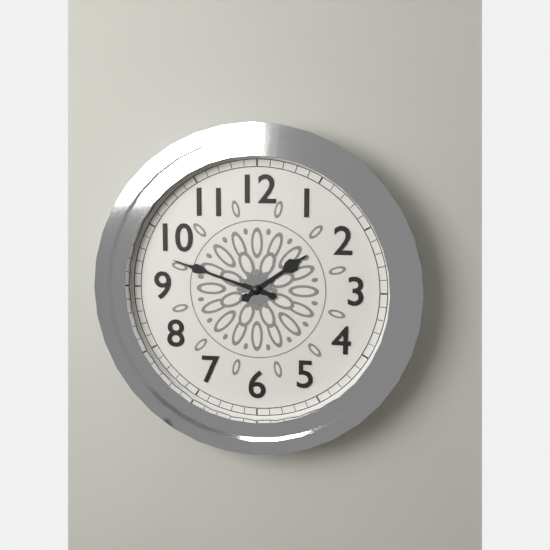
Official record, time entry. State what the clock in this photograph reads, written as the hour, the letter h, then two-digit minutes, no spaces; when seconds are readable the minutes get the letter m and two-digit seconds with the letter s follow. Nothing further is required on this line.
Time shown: 1h48
